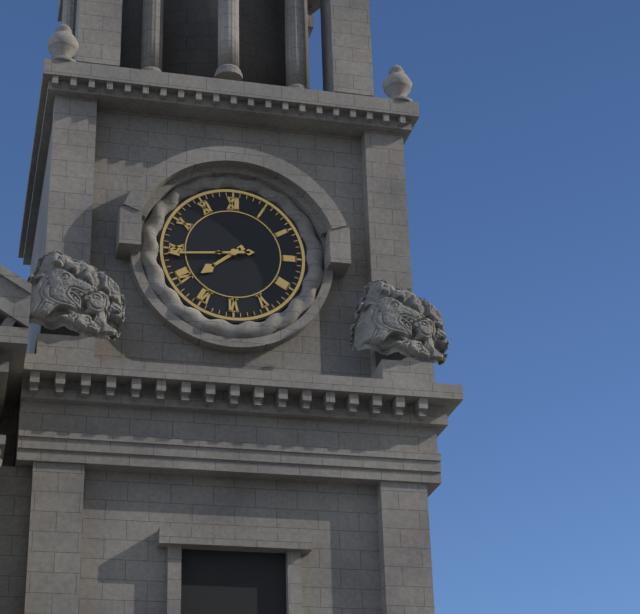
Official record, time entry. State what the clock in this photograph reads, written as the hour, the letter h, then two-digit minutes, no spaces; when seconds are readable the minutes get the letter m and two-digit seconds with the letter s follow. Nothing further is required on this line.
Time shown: 7h44
